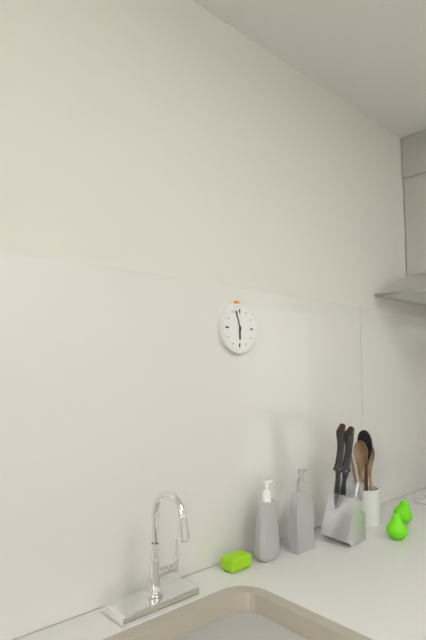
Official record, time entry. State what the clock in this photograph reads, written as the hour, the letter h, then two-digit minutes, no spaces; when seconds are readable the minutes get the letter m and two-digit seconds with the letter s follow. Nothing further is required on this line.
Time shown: 5h57
